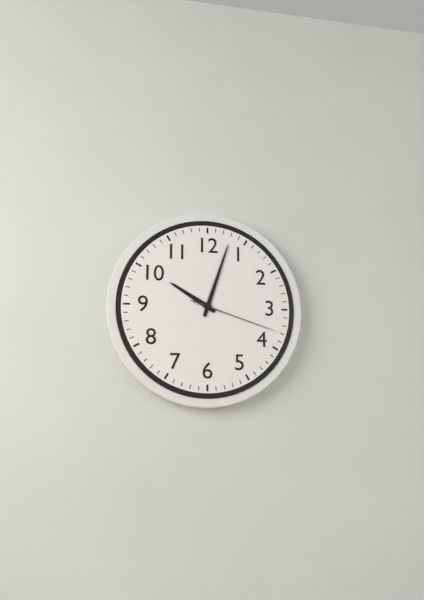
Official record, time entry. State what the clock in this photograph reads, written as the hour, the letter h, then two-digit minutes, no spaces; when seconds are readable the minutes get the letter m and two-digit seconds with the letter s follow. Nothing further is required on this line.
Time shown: 10h03m18s
